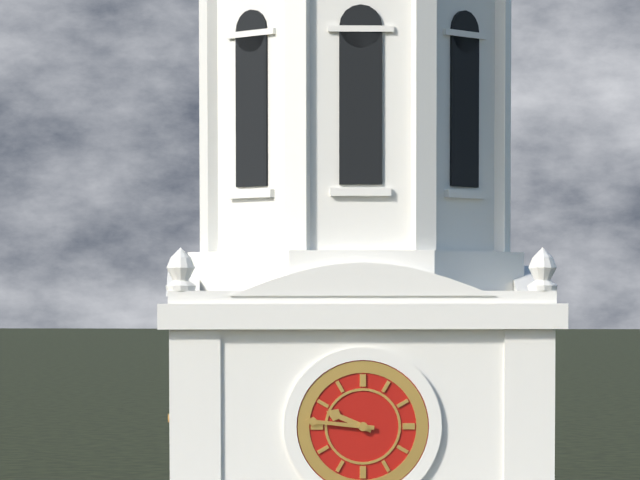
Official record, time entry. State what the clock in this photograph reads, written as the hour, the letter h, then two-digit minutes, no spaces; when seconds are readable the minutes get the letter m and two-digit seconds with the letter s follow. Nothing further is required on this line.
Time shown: 9h46
